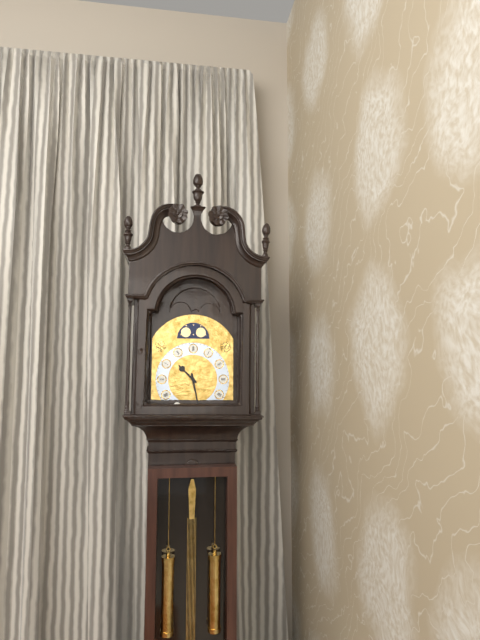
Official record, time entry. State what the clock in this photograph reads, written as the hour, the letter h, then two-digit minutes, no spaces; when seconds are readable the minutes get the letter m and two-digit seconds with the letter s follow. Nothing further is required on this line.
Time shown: 10h28
